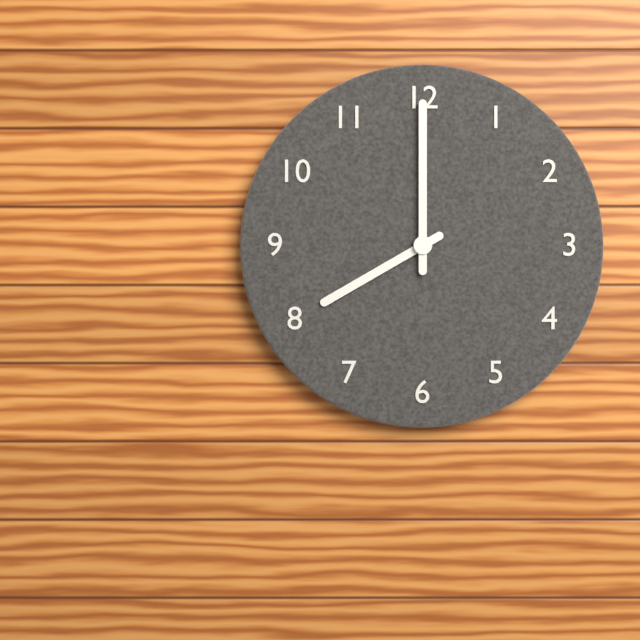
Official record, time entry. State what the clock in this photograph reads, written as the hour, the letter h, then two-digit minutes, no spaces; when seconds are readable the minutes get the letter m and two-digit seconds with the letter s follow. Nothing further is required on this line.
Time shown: 8h00
